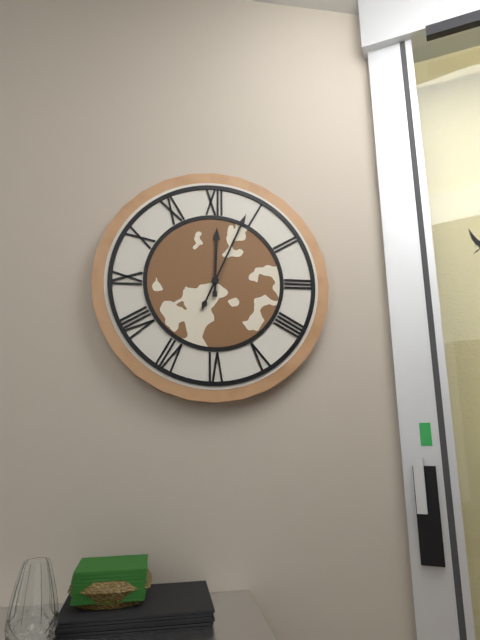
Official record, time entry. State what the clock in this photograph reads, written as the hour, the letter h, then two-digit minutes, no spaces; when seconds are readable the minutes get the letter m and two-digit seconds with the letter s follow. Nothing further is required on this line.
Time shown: 12h04
